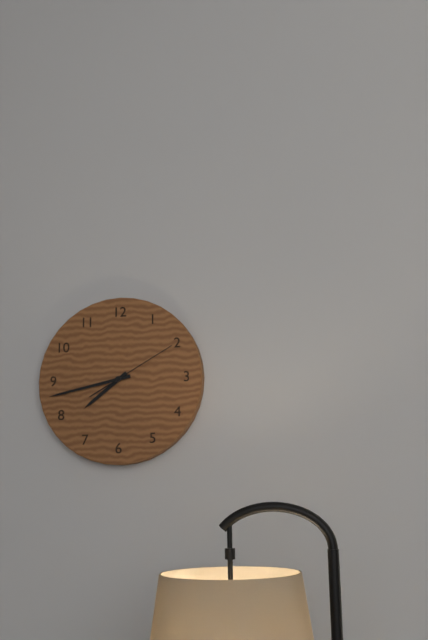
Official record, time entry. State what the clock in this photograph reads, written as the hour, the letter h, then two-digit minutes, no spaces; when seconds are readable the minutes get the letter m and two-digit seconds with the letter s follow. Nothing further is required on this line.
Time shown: 7h43m10s
